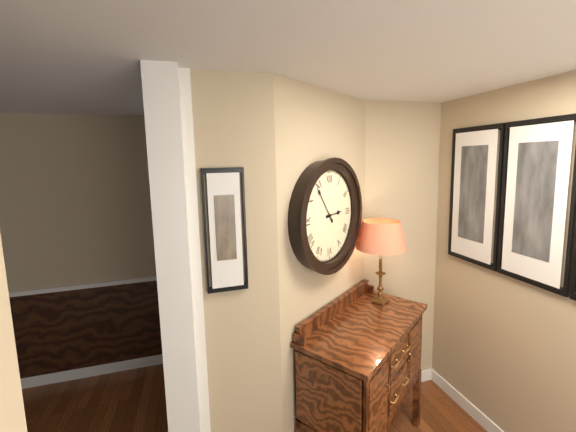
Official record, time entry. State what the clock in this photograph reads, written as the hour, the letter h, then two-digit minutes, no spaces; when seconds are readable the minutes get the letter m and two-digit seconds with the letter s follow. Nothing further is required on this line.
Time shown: 2h54
